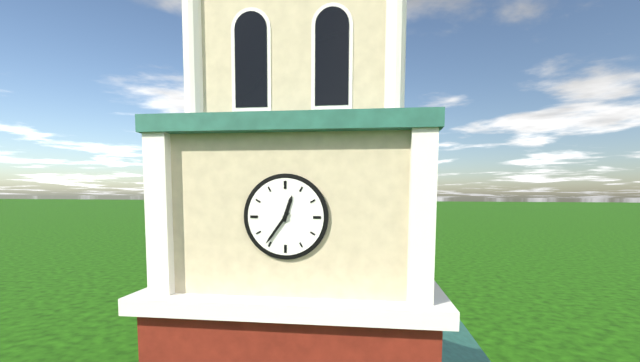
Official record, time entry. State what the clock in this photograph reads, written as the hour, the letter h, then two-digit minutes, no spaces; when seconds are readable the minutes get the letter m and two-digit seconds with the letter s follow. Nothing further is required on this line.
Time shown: 12h36
